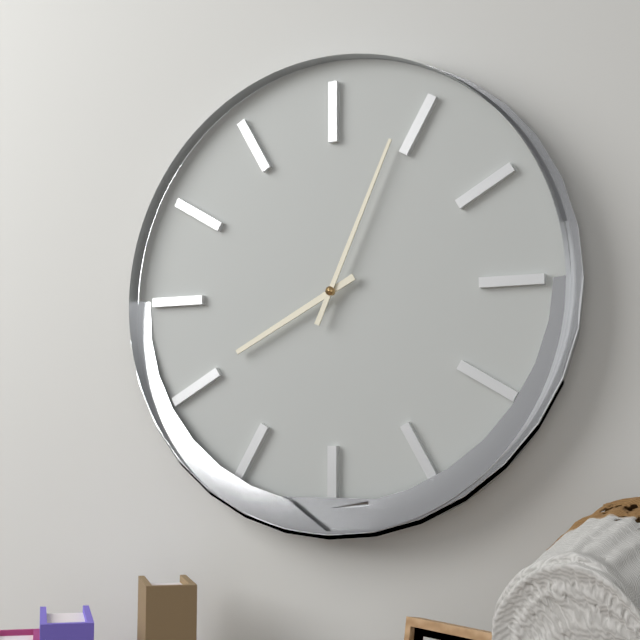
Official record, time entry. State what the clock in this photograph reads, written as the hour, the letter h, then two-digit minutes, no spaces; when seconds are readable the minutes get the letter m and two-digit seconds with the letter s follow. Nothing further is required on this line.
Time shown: 8h04
